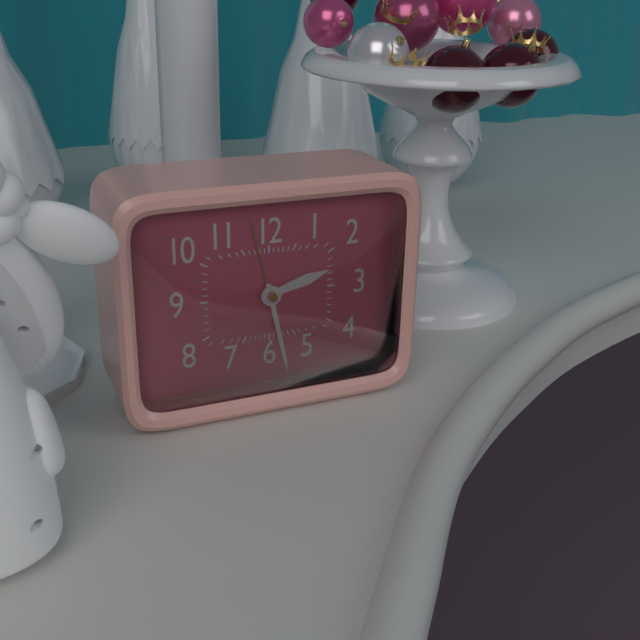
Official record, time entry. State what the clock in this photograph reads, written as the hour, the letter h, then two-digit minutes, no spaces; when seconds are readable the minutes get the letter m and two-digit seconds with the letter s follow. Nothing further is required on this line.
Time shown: 2h28
